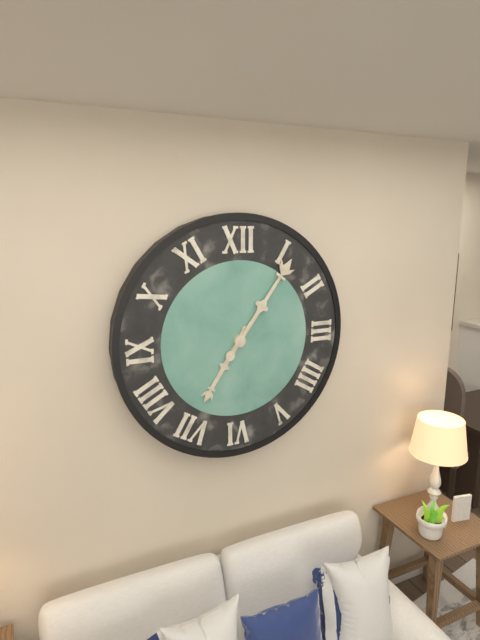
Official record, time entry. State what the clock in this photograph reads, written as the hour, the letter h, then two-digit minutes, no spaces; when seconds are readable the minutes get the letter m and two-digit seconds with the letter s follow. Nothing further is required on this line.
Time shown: 7h06
